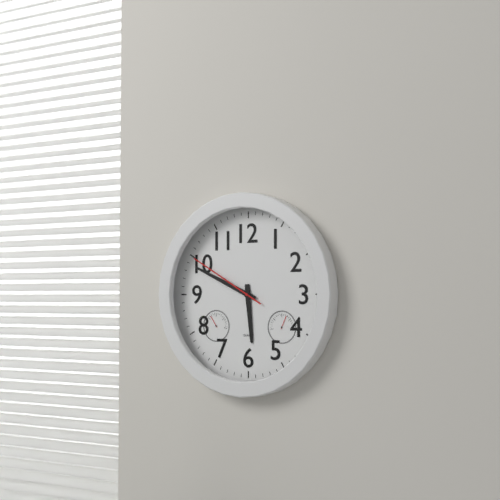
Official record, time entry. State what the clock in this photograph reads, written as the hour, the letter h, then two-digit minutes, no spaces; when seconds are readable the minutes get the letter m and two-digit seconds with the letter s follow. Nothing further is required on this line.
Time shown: 5h49m50s
